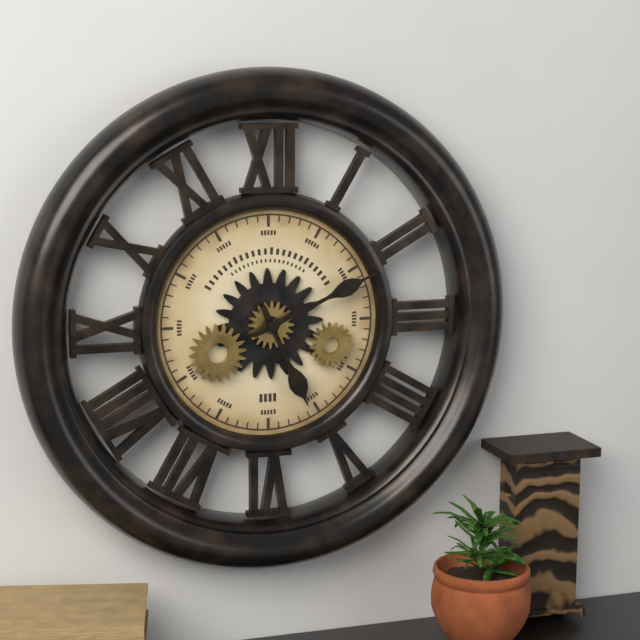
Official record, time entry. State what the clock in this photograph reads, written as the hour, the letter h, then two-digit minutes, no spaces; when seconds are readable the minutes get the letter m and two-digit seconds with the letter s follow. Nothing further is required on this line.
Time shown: 5h11
